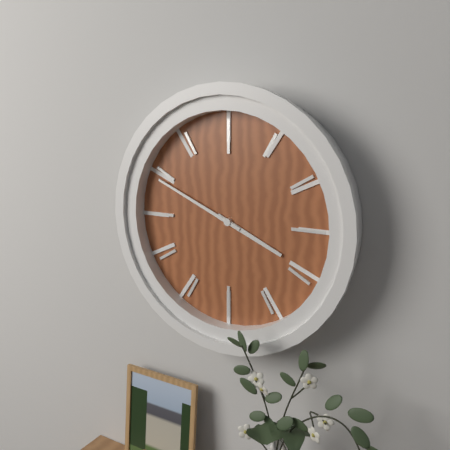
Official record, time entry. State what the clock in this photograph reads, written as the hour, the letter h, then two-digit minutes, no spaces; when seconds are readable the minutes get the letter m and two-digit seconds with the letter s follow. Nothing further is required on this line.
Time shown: 3h49
